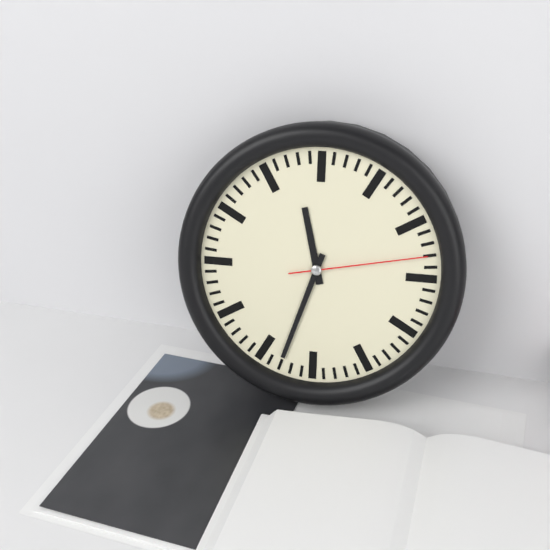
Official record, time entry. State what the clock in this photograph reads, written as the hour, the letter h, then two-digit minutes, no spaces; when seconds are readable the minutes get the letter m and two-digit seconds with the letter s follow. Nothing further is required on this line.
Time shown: 11h33m13s
